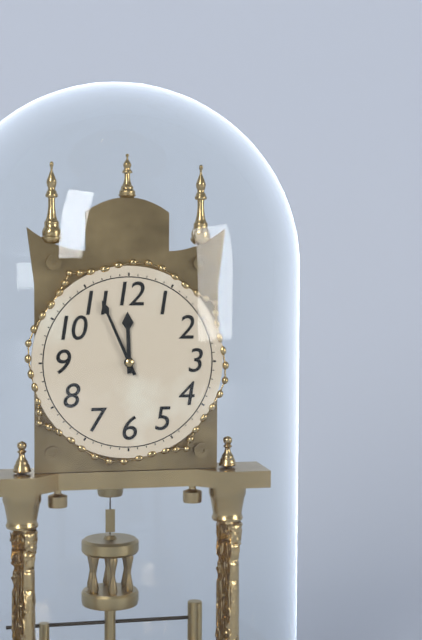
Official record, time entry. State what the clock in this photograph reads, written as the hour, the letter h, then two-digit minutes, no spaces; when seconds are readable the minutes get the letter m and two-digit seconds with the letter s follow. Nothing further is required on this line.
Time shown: 11h56
